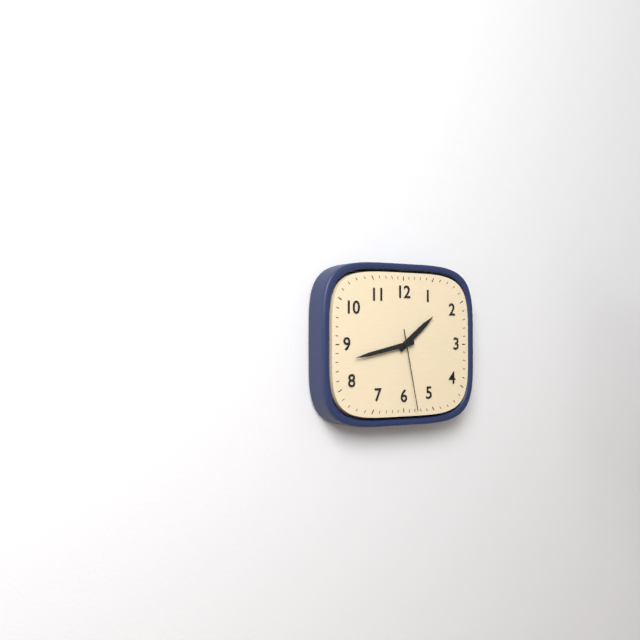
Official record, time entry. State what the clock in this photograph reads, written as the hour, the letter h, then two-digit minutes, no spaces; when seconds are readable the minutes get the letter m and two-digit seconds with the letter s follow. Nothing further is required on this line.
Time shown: 1h43m28s
